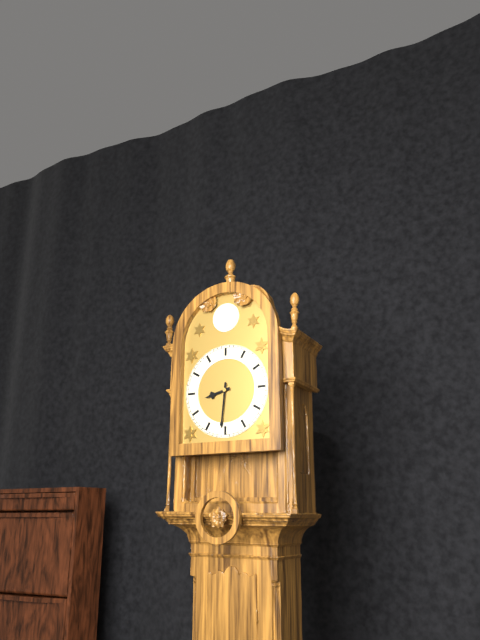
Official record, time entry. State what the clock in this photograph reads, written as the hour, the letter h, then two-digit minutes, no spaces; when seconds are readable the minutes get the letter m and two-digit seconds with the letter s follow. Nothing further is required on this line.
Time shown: 8h31
